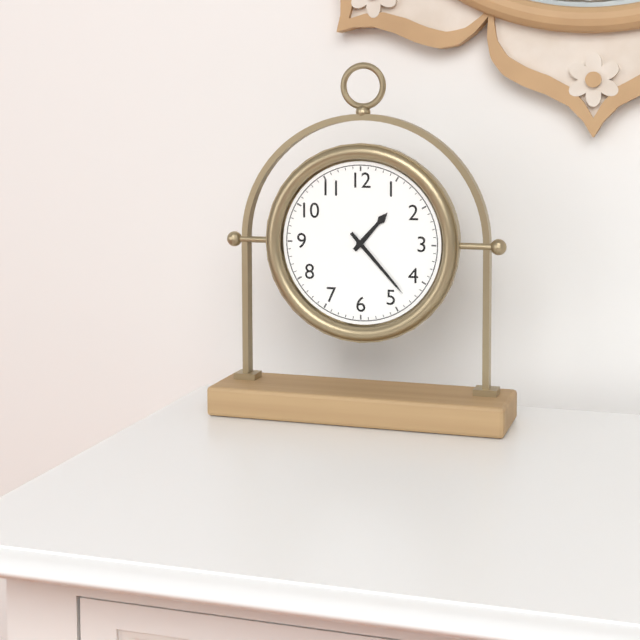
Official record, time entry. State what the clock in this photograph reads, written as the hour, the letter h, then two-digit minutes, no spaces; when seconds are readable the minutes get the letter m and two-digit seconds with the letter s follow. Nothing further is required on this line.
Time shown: 1h23
